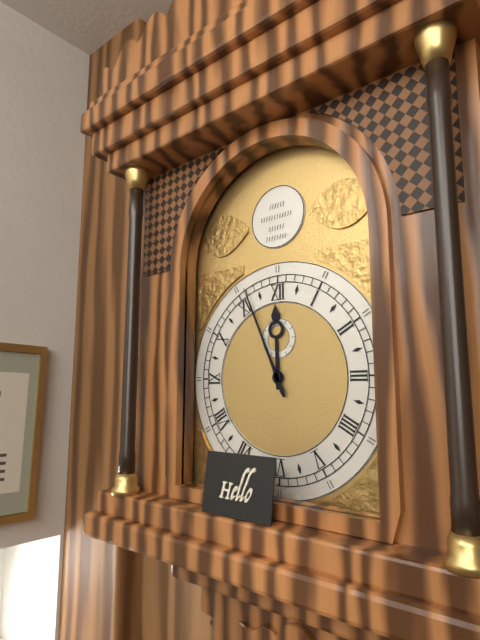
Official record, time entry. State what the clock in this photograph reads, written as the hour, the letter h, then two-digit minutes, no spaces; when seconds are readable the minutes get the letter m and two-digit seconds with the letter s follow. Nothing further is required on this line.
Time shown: 11h56
